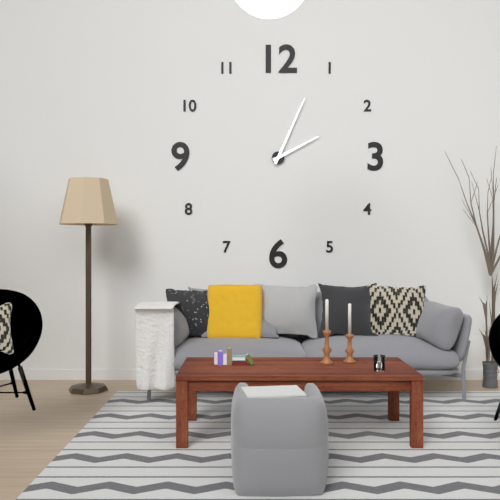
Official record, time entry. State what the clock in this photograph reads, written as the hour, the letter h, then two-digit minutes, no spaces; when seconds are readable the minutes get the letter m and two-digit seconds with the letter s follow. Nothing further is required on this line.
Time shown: 2h04
